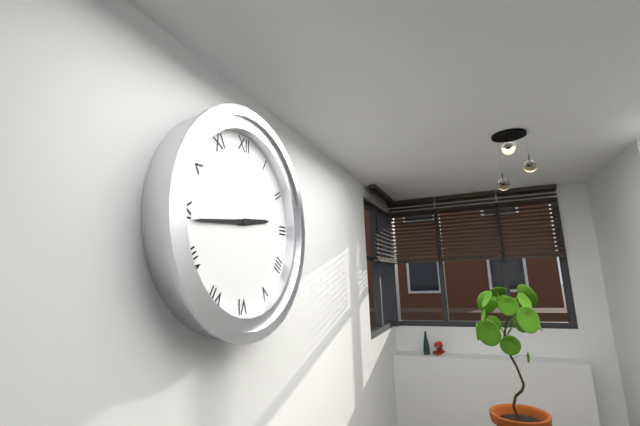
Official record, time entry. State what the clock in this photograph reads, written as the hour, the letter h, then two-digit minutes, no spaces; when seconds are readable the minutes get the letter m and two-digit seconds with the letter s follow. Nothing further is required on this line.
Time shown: 2h44
